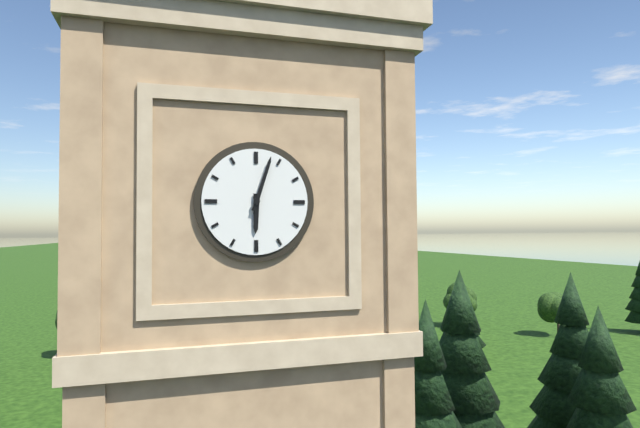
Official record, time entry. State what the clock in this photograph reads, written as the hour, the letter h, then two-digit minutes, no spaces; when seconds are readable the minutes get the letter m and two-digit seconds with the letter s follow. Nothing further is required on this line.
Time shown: 6h03
